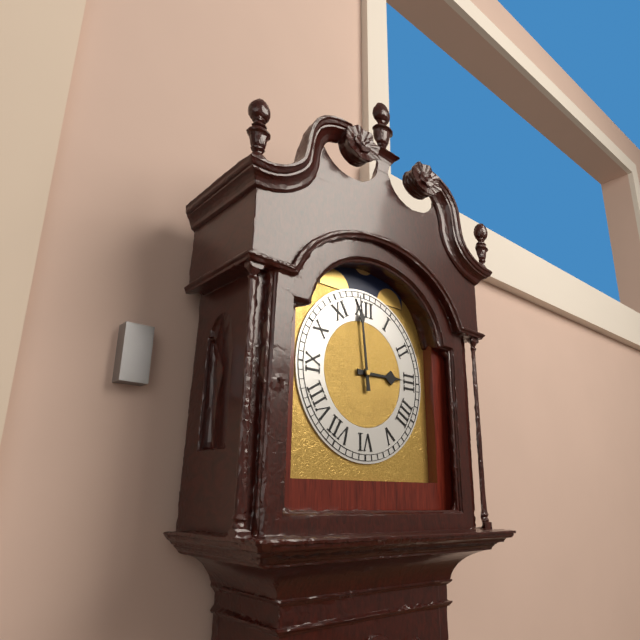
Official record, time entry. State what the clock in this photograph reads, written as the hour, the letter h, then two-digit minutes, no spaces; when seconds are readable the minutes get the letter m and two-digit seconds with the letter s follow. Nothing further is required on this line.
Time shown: 2h59
